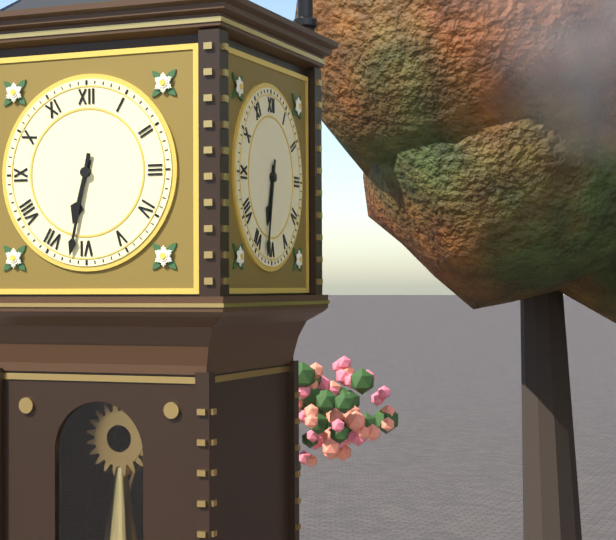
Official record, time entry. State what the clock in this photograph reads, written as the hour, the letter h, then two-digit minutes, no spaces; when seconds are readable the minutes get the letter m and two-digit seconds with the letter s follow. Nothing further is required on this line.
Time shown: 6h32
